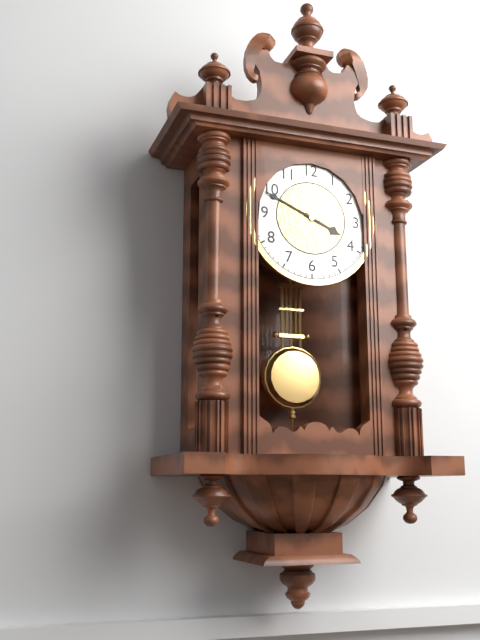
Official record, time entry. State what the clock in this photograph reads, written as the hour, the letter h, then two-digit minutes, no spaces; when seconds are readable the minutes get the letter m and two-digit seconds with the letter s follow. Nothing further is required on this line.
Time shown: 3h49
